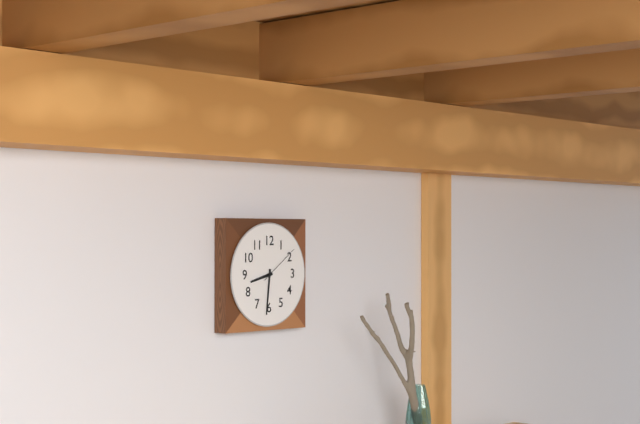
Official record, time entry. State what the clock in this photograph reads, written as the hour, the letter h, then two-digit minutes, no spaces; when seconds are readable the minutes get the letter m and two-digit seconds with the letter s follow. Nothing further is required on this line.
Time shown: 8h31
